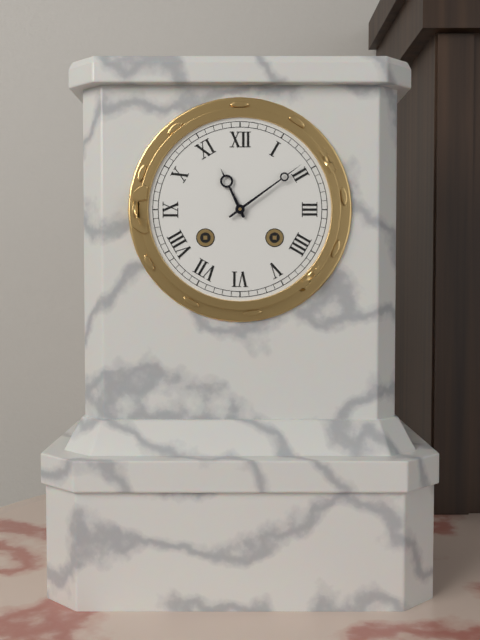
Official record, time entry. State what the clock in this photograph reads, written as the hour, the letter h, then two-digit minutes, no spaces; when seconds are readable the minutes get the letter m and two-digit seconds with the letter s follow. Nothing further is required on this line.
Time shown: 11h09
